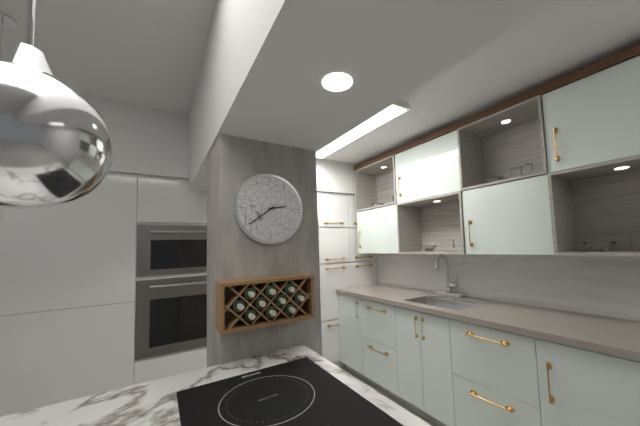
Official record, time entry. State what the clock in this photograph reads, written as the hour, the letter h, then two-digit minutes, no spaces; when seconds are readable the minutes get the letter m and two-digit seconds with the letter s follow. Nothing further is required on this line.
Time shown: 2h39
